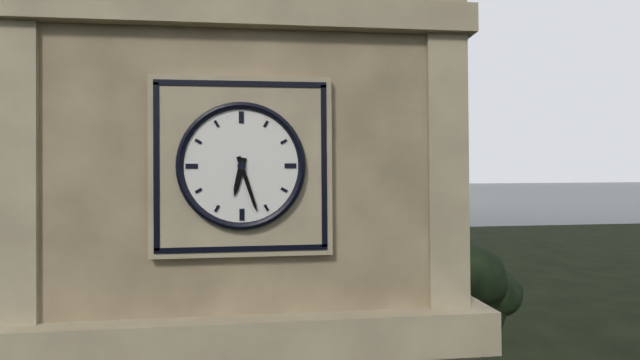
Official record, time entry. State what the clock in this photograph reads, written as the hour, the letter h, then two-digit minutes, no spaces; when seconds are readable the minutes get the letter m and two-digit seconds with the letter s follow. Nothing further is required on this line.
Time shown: 6h27
